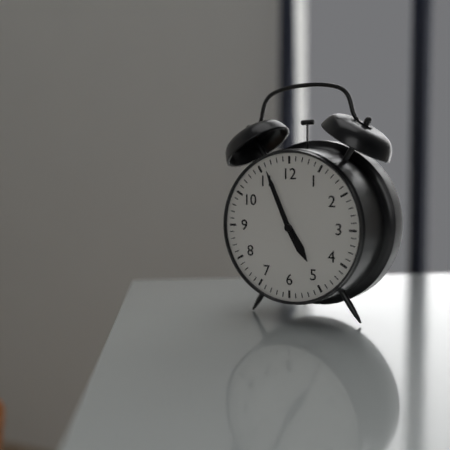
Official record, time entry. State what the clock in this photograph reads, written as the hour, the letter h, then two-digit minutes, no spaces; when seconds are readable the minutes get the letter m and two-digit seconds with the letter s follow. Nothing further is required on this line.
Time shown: 4h56
